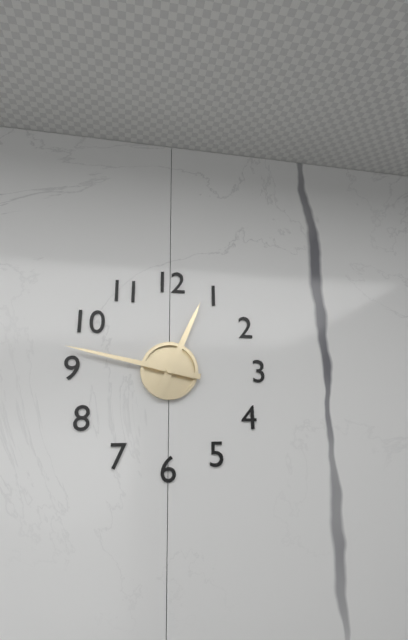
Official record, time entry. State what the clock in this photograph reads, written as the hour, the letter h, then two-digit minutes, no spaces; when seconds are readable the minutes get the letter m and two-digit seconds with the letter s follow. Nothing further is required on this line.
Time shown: 12h47
